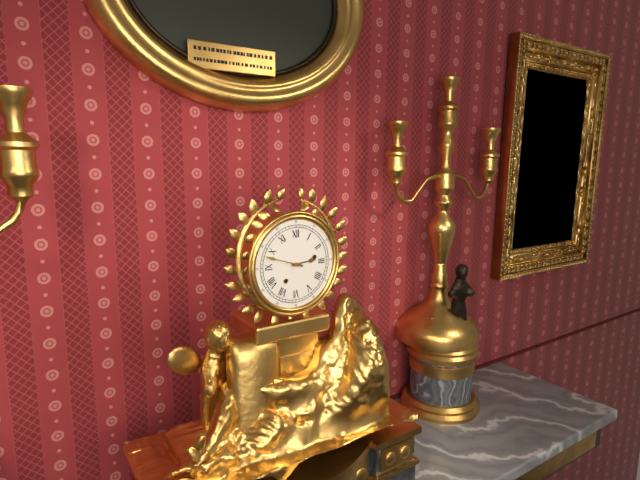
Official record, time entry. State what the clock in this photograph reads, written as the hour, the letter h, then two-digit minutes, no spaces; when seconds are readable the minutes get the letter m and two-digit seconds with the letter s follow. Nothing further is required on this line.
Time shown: 2h48
